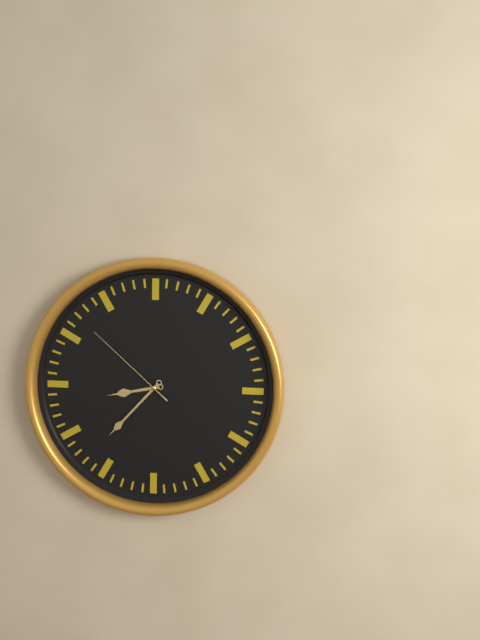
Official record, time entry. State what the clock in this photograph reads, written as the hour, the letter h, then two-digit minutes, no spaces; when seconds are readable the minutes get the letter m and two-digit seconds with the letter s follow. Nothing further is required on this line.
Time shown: 8h37m52s
